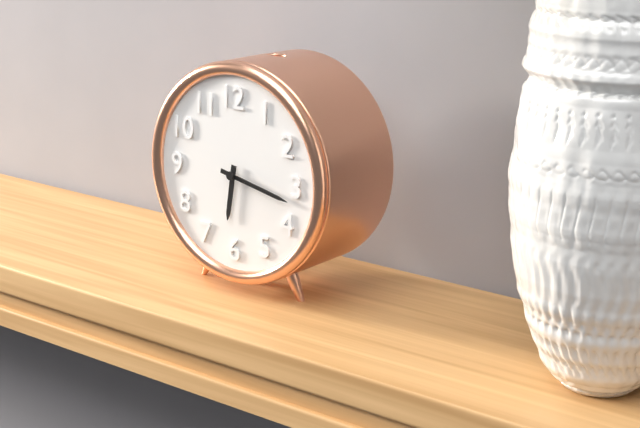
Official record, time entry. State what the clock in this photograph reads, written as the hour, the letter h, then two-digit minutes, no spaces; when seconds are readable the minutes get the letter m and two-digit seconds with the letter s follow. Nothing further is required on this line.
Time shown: 6h17
